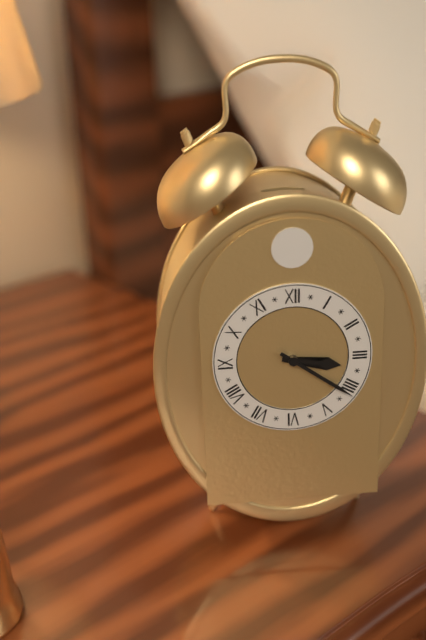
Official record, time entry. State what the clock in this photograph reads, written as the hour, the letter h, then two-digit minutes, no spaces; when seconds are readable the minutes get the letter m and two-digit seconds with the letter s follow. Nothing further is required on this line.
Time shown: 3h21
